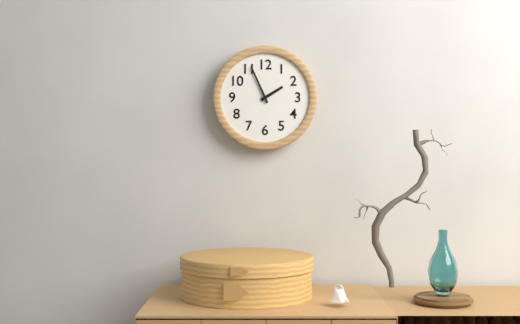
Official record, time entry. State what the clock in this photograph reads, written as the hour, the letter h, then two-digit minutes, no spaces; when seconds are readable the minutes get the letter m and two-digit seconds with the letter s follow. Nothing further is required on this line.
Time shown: 1h56
